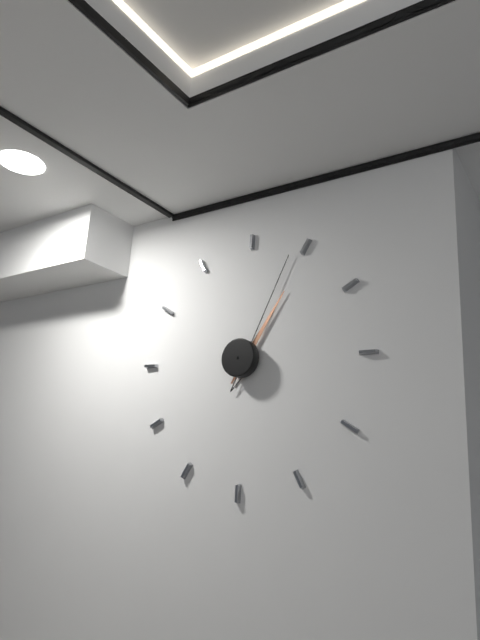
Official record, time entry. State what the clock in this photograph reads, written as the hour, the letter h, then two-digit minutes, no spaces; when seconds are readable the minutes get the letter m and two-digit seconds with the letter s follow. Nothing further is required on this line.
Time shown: 1h04
